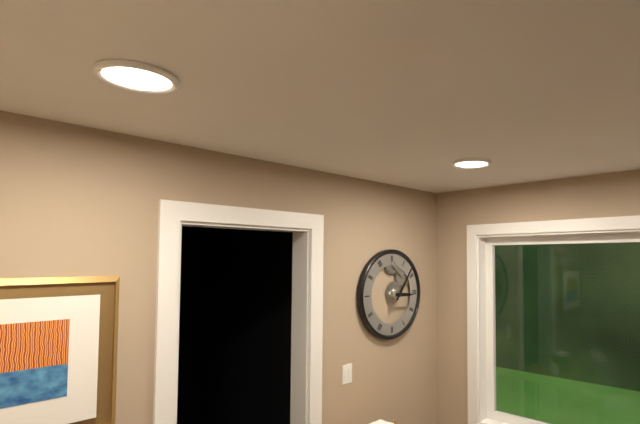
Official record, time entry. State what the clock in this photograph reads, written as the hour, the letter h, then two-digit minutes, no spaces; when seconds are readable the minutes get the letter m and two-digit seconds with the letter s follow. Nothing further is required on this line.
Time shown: 3h06
